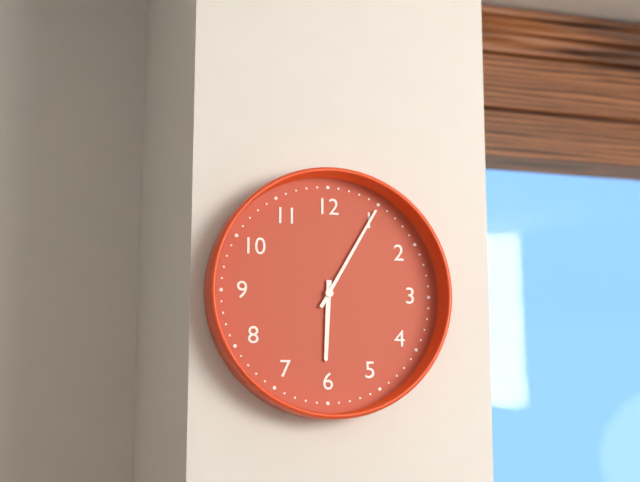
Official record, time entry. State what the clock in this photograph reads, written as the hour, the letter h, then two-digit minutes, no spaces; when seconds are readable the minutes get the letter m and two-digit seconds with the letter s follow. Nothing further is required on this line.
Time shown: 6h05
